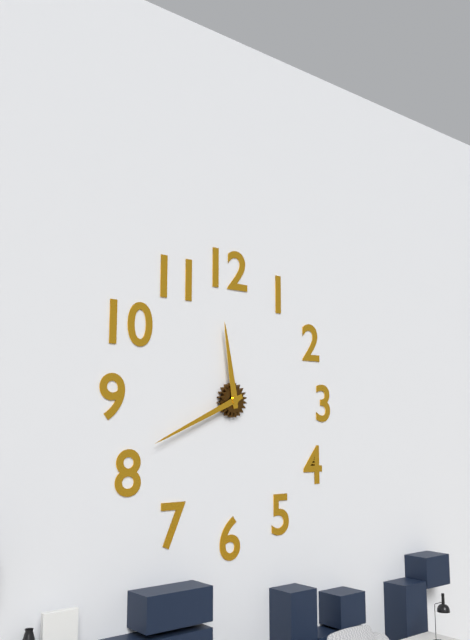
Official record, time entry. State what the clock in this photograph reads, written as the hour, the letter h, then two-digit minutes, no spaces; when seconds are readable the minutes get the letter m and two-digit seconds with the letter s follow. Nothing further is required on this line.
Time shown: 11h41
